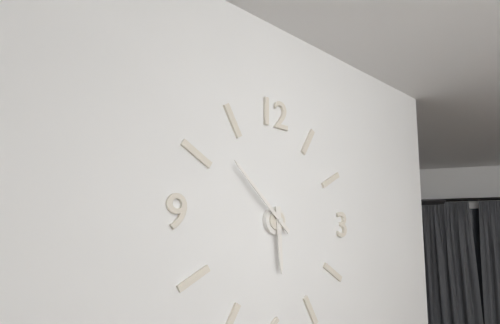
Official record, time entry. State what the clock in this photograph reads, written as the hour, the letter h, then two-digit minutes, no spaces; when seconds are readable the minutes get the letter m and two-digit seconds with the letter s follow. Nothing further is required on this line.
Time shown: 5h52
